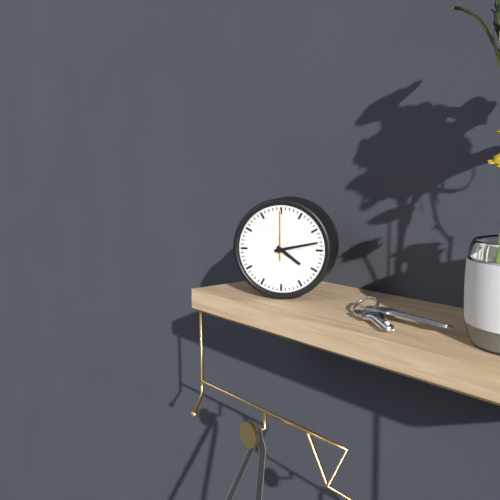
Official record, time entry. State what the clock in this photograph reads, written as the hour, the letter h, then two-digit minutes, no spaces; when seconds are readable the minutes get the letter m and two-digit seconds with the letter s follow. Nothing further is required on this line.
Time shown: 4h13
